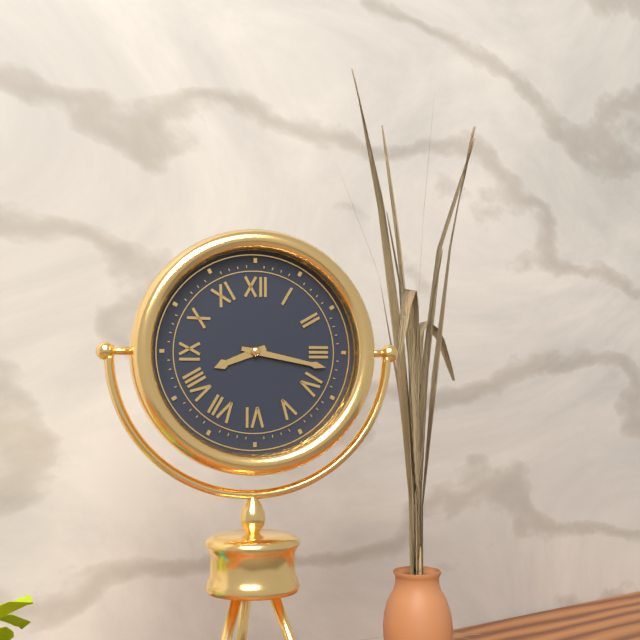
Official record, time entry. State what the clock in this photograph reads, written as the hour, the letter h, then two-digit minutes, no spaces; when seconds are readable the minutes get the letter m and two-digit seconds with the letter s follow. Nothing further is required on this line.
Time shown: 8h17
